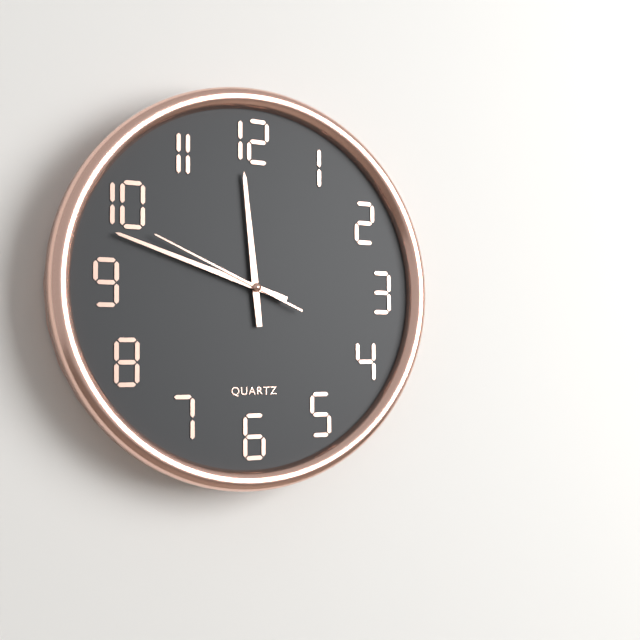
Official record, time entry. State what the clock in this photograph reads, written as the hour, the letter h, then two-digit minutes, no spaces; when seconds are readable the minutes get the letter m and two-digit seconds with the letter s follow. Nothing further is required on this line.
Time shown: 11h48m49s
